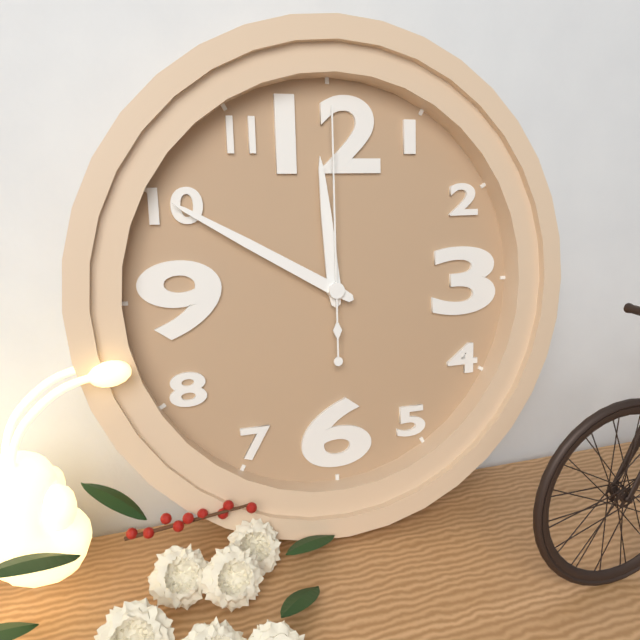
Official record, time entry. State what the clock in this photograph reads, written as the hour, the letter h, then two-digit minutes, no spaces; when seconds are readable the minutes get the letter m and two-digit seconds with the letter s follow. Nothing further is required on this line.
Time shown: 11h50m00s
